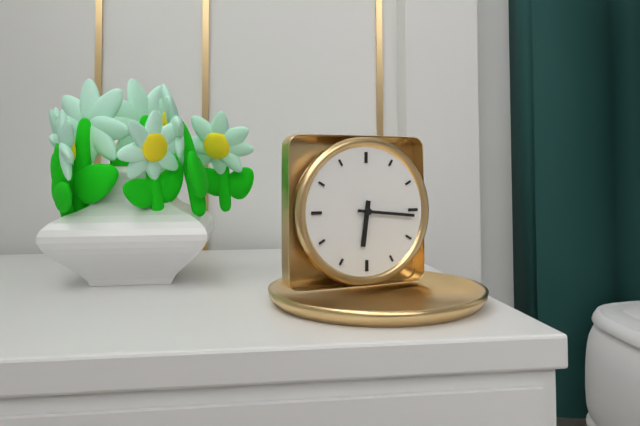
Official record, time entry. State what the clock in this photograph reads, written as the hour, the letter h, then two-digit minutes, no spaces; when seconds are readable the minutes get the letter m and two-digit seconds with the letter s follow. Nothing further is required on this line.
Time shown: 6h16
